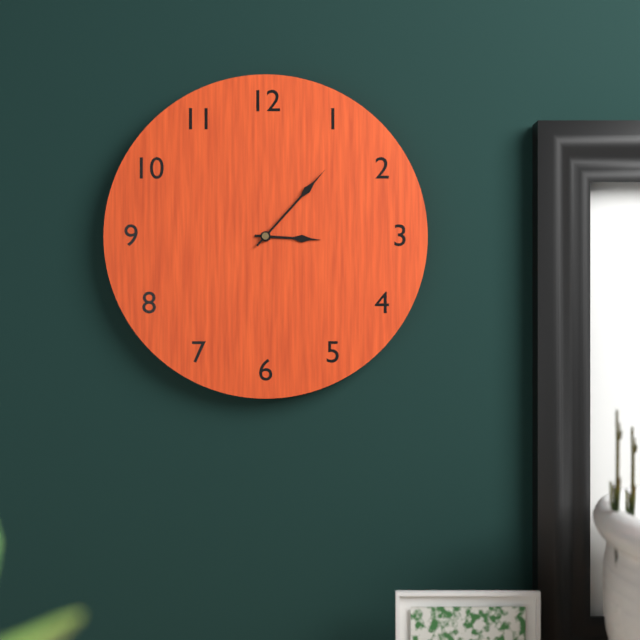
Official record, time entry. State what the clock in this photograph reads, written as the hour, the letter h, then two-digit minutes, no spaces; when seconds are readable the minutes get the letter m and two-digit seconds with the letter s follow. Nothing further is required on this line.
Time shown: 3h07
